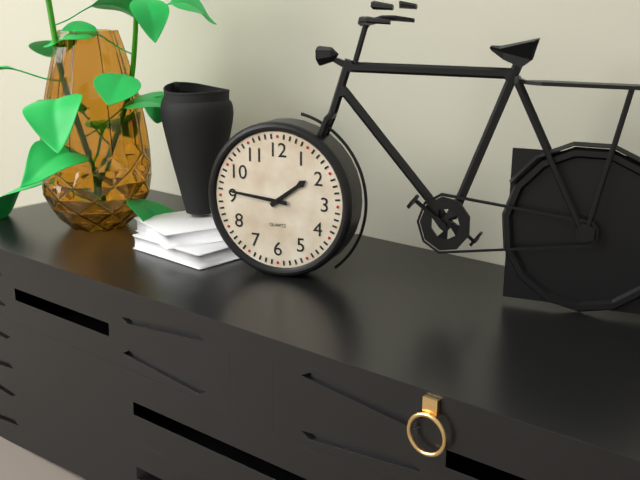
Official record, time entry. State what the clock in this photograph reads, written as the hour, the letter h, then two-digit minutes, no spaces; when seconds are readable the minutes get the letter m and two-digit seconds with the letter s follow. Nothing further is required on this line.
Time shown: 1h46
